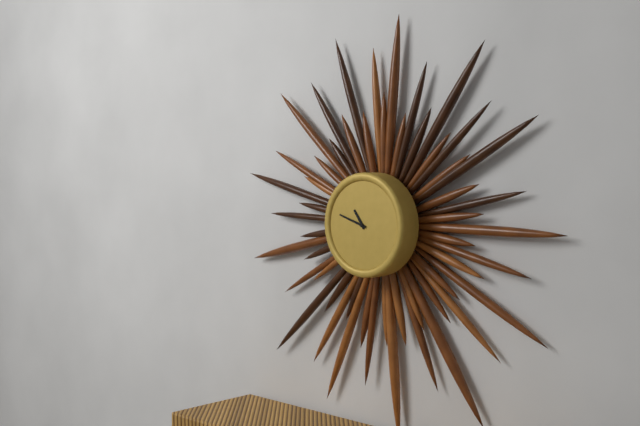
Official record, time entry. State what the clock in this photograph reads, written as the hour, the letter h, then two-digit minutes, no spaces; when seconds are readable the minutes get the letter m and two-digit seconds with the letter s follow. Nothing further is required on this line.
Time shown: 10h48
